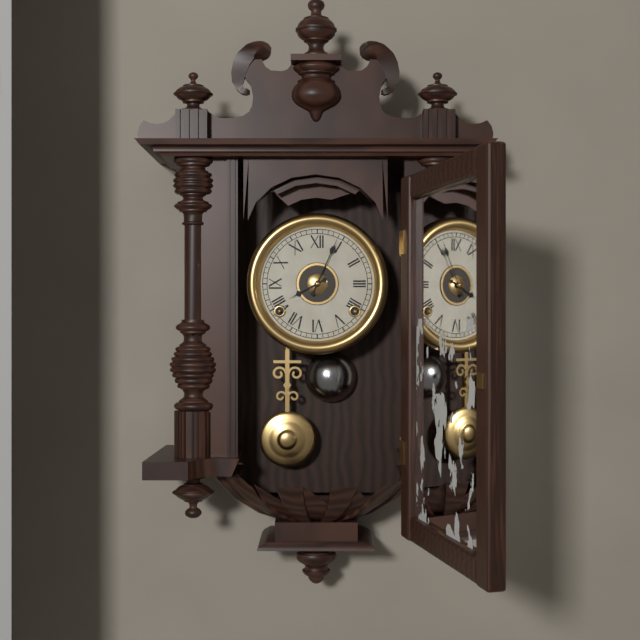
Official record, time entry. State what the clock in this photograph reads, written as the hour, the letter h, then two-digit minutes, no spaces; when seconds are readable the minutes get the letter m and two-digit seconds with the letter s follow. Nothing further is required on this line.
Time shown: 8h04
